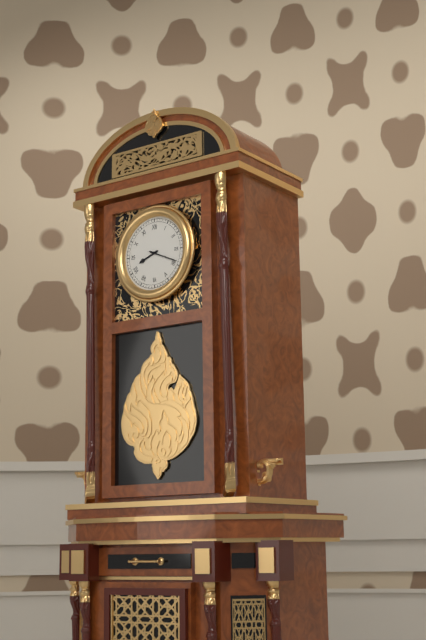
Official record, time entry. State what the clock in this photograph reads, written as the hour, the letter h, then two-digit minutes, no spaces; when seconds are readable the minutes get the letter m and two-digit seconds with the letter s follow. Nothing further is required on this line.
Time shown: 8h19
